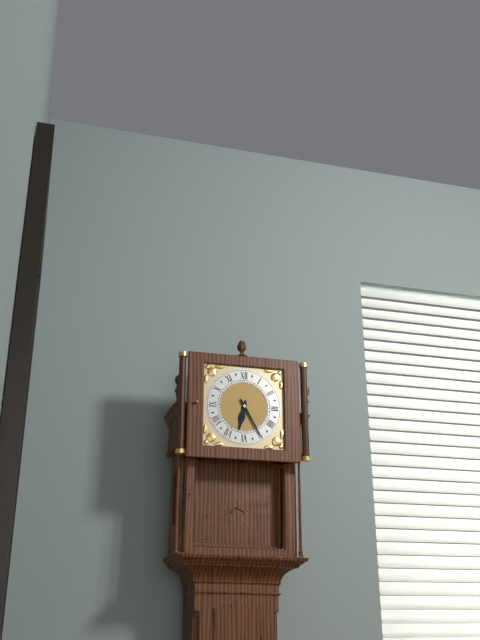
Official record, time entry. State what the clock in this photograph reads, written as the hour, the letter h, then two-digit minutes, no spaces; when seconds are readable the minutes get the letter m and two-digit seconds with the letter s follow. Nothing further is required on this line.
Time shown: 6h25
